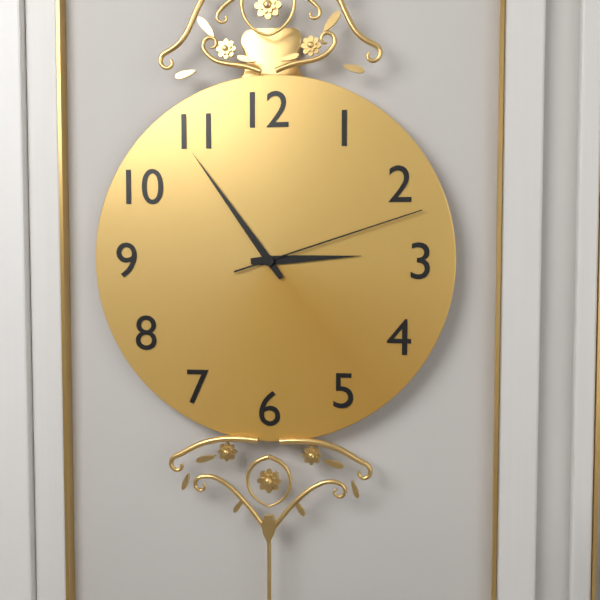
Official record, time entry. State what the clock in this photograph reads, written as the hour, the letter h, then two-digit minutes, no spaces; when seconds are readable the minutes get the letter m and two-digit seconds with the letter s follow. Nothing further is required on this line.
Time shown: 2h54m12s
